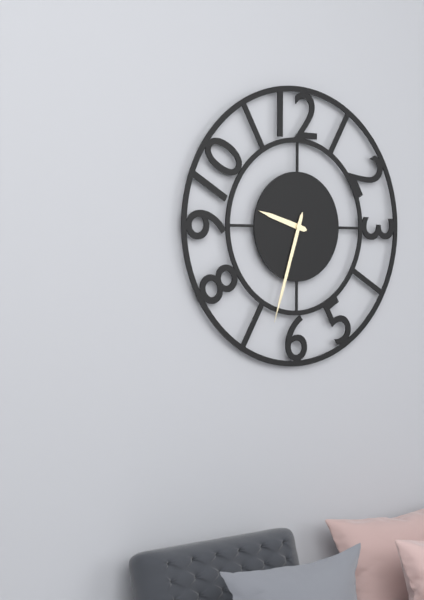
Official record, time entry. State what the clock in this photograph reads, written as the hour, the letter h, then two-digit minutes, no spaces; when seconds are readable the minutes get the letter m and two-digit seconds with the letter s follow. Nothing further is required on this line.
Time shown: 9h33
